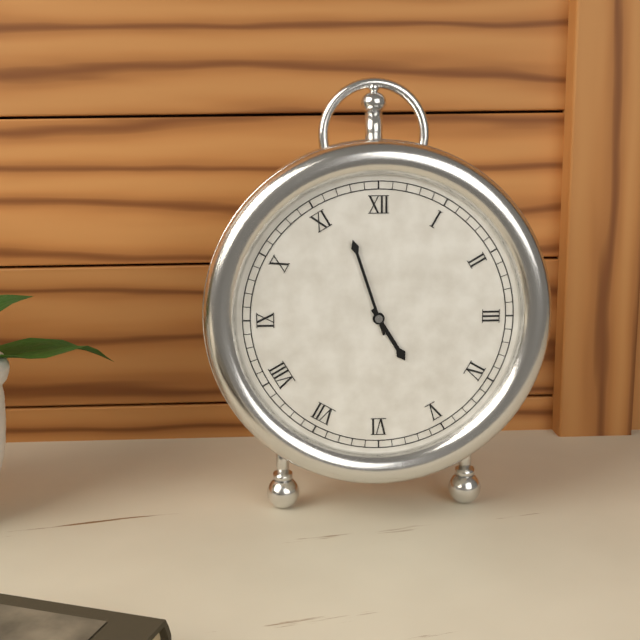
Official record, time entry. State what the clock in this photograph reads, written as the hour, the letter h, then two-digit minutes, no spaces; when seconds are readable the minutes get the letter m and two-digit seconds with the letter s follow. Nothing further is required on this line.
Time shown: 4h57
